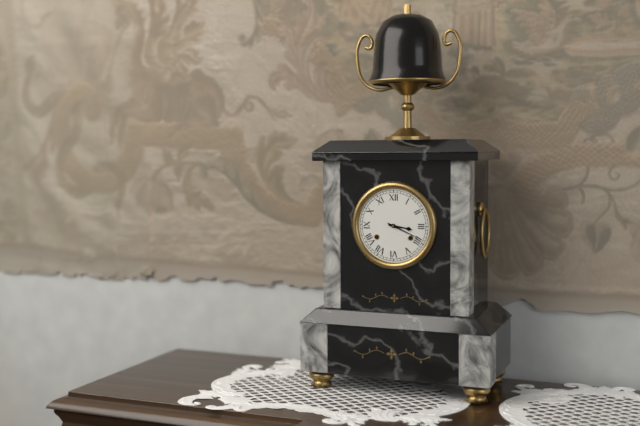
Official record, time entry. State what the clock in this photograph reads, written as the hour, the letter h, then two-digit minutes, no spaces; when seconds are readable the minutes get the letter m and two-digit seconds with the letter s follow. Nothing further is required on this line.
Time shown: 3h19
